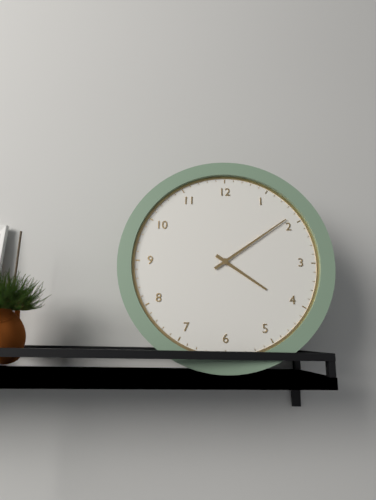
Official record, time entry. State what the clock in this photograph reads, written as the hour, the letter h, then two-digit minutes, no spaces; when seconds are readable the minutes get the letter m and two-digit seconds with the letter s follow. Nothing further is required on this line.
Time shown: 4h09
